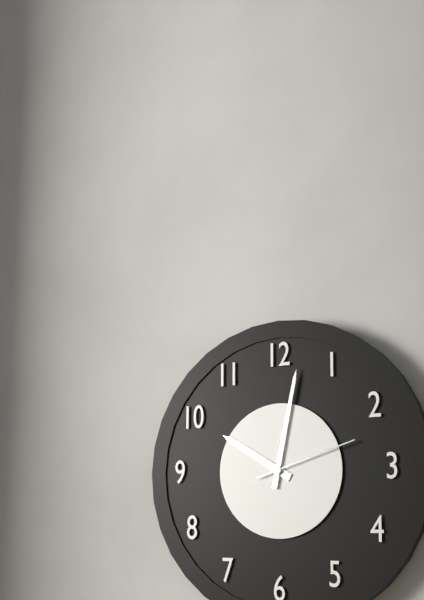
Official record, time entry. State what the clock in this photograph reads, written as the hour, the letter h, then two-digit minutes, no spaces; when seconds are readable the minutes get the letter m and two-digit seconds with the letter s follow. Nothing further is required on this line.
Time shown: 10h02m12s
